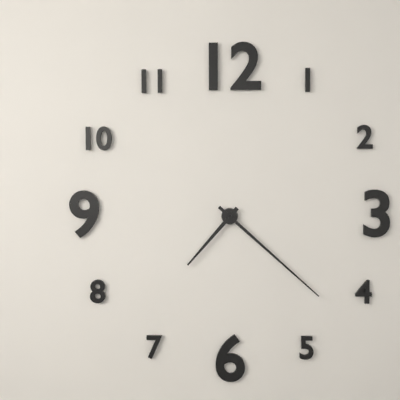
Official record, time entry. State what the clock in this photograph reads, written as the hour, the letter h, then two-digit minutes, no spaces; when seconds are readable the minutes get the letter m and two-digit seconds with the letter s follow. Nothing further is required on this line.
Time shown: 7h22
